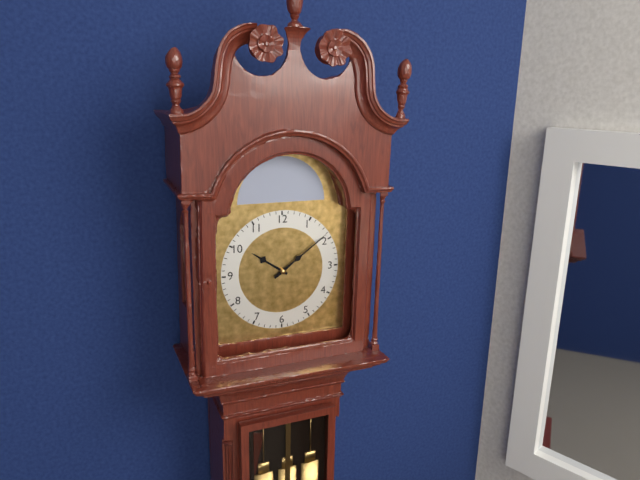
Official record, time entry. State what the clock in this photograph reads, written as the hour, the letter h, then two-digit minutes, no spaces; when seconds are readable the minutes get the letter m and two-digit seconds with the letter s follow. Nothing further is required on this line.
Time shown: 10h09
